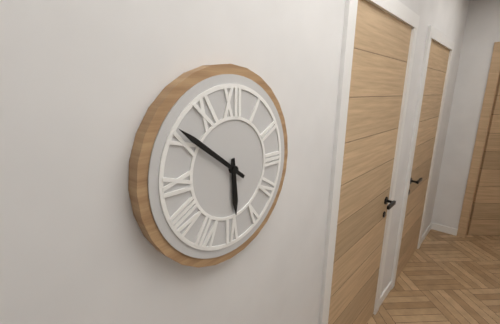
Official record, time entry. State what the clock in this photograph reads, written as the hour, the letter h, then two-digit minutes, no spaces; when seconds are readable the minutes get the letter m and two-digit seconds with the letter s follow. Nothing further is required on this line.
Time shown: 5h51
